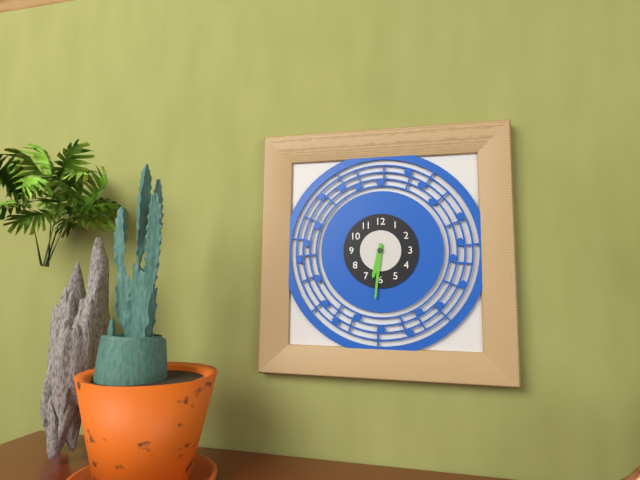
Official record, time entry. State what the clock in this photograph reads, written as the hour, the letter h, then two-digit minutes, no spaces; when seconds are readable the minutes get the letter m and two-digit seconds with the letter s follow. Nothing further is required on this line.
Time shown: 6h31
